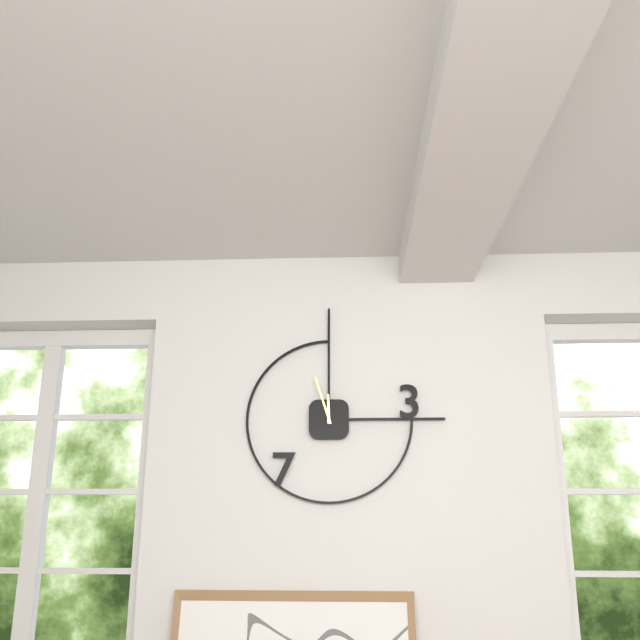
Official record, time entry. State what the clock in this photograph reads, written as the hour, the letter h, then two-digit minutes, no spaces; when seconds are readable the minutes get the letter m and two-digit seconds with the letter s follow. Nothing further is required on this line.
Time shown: 11h57
